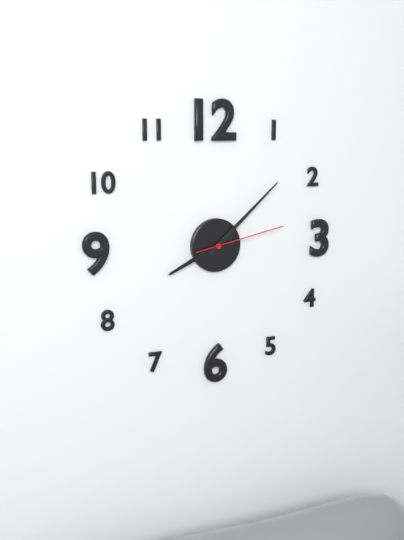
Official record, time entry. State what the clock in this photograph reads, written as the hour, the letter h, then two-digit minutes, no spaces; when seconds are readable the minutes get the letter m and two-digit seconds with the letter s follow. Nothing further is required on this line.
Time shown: 8h08m13s
